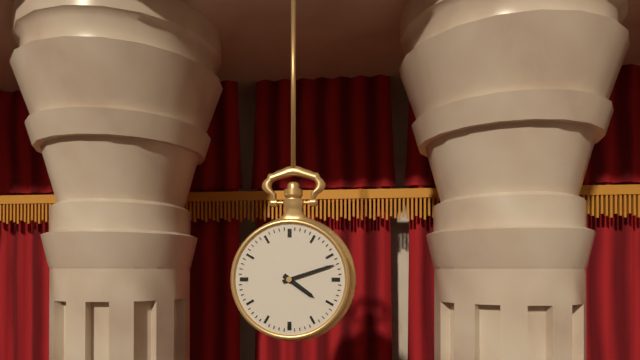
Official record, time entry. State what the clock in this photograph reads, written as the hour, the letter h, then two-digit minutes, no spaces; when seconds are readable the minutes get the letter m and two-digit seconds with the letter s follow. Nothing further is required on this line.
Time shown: 4h12
